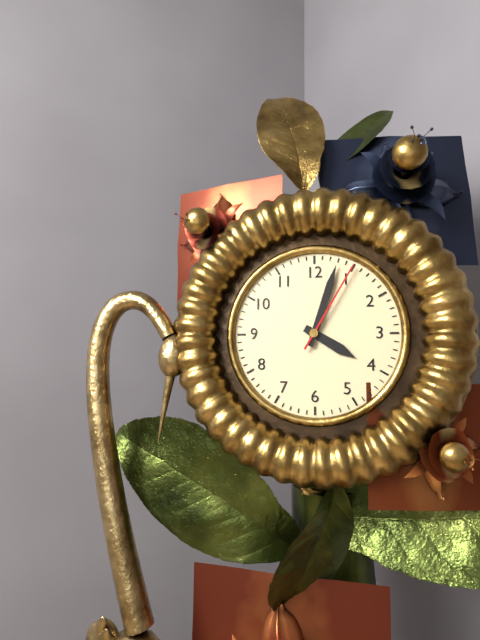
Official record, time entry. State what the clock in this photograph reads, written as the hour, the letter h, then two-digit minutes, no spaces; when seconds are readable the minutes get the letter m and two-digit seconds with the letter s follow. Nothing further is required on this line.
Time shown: 4h03m05s
